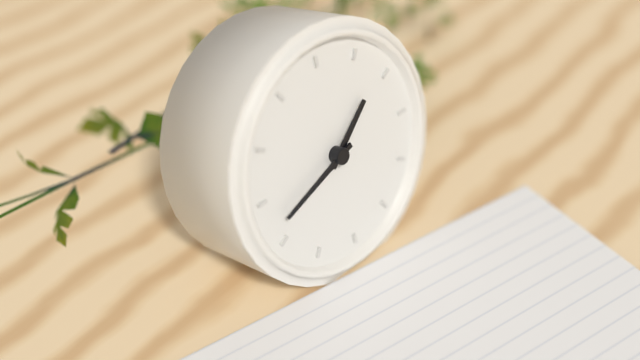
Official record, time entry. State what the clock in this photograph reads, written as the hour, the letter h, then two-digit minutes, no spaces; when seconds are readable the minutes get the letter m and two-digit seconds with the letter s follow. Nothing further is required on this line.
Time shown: 1h42
